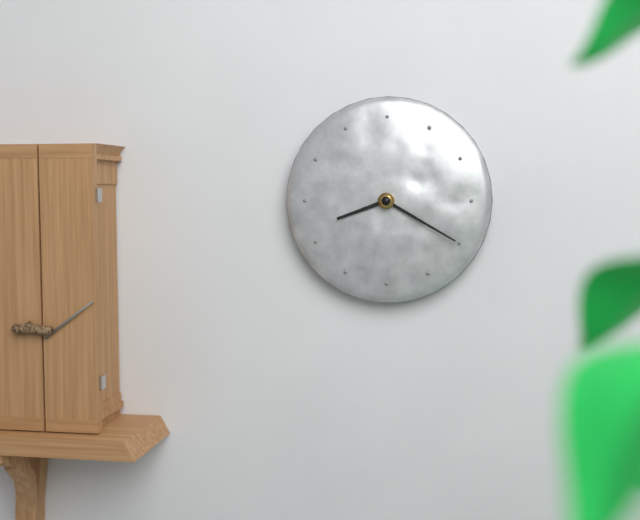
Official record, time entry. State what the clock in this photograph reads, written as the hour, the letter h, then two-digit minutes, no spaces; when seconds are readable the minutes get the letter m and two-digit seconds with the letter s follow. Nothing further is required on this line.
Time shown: 8h20
